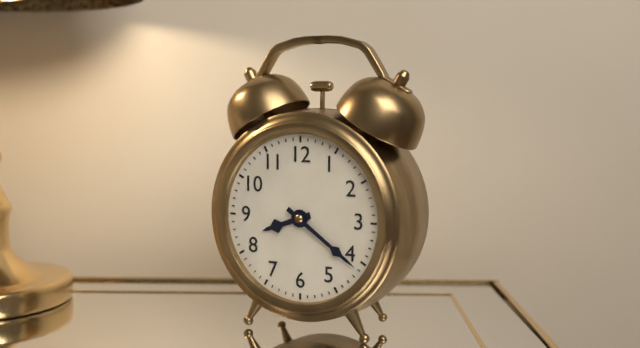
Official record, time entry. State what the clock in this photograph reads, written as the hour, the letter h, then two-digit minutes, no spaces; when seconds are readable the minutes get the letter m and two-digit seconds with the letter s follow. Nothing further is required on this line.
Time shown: 8h21
